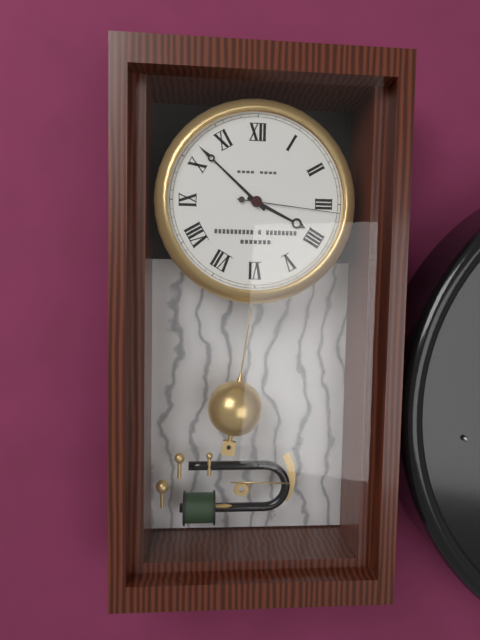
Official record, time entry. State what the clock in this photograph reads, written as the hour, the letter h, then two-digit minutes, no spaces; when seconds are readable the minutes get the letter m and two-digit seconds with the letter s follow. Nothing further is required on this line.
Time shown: 3h52m16s
